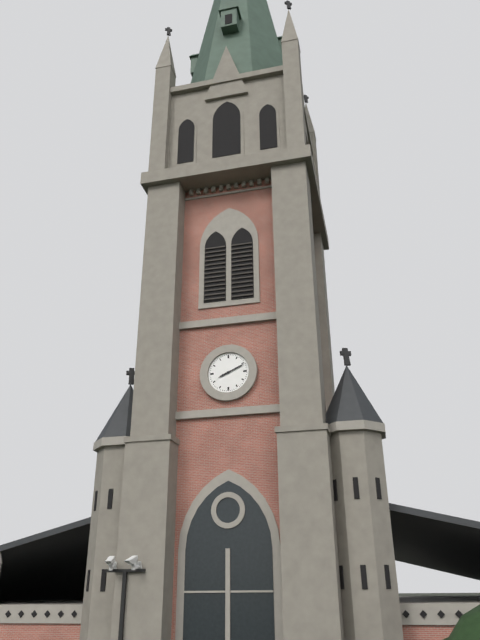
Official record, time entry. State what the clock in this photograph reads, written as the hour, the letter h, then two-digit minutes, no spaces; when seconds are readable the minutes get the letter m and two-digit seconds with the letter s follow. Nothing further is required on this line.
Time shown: 8h11
